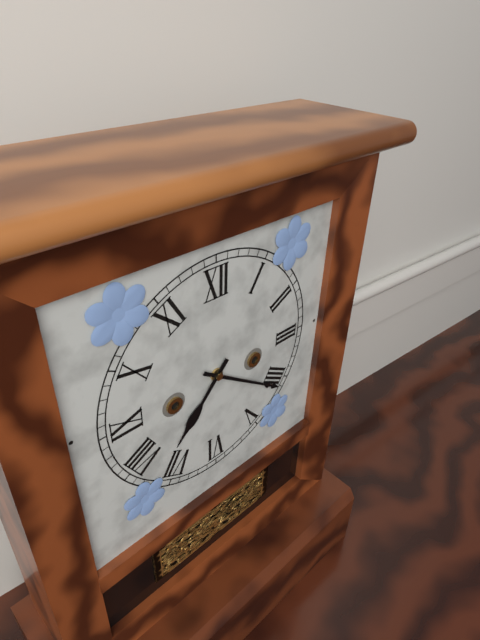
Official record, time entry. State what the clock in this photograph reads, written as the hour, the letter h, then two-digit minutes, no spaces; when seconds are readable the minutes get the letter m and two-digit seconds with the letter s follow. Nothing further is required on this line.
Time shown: 7h21
